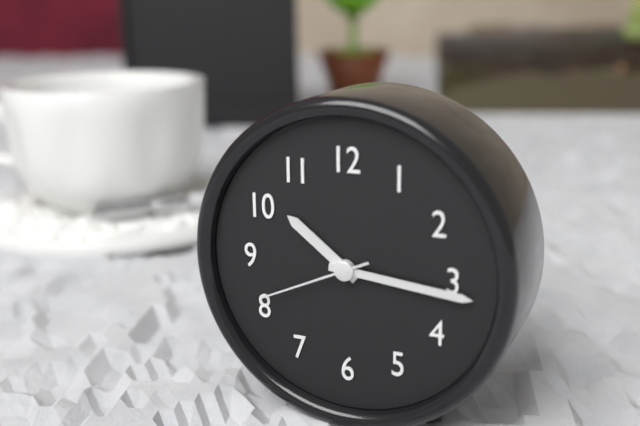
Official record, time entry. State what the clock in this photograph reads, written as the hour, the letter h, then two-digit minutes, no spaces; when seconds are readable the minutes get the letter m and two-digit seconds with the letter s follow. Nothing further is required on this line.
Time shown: 10h16m41s
